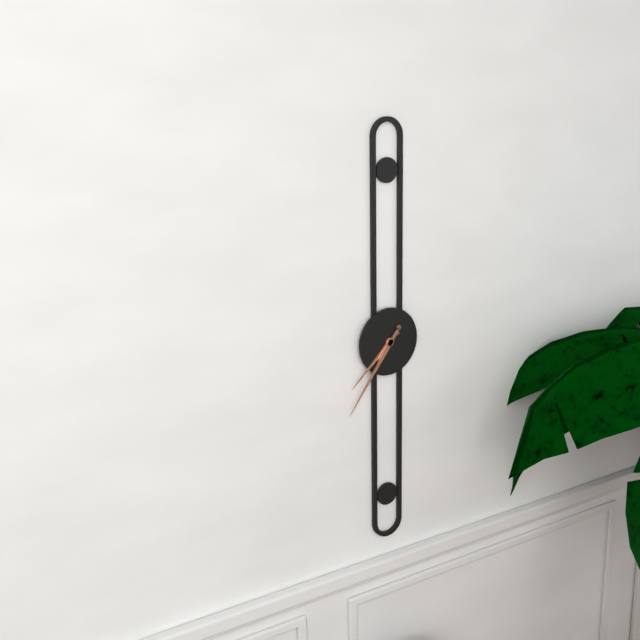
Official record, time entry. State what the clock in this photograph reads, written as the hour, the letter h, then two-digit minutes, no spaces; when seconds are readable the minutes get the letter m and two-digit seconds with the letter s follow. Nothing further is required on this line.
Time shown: 7h36
